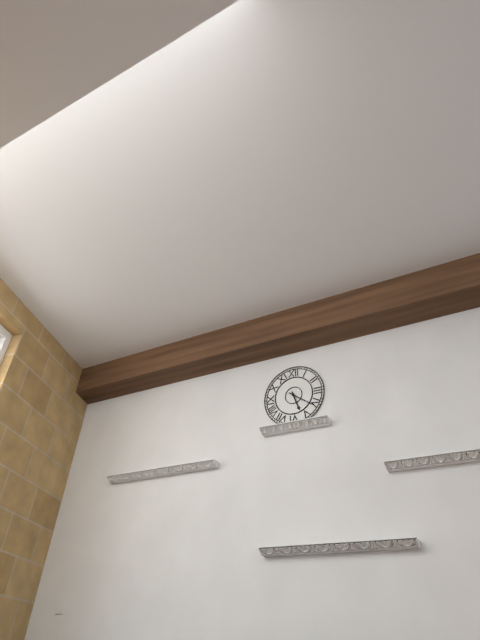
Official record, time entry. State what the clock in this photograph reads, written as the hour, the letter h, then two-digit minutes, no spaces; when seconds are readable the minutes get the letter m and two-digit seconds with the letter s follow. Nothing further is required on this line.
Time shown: 5h21
